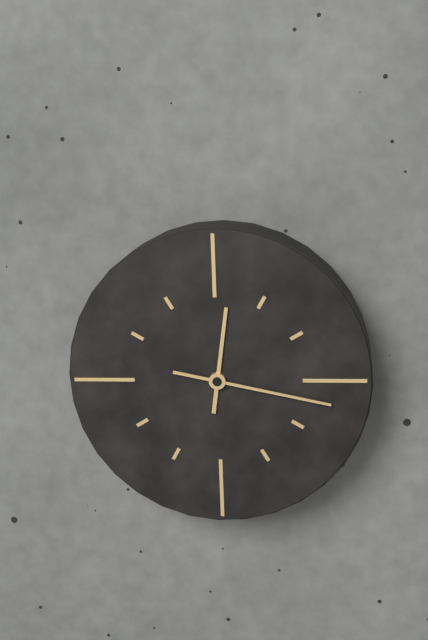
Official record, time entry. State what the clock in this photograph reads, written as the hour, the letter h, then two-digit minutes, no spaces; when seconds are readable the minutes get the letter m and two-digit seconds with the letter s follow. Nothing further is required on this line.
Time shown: 12h17
